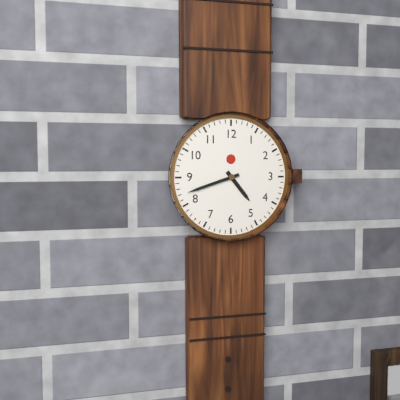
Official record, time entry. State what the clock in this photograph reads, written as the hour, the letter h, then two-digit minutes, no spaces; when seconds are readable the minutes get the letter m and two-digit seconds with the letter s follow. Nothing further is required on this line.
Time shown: 4h42
